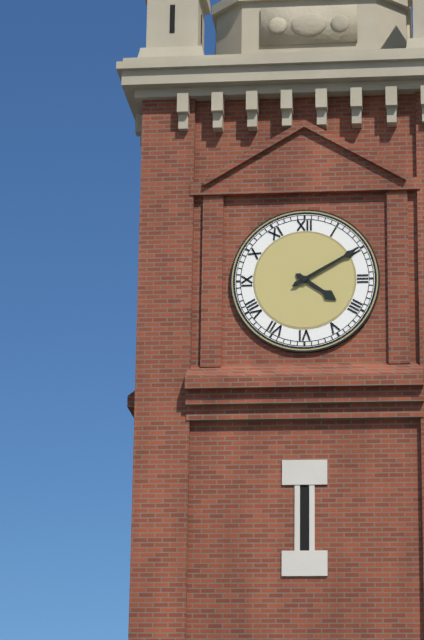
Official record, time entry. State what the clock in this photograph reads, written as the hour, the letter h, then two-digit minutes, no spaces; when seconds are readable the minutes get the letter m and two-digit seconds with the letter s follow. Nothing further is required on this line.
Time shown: 4h10
